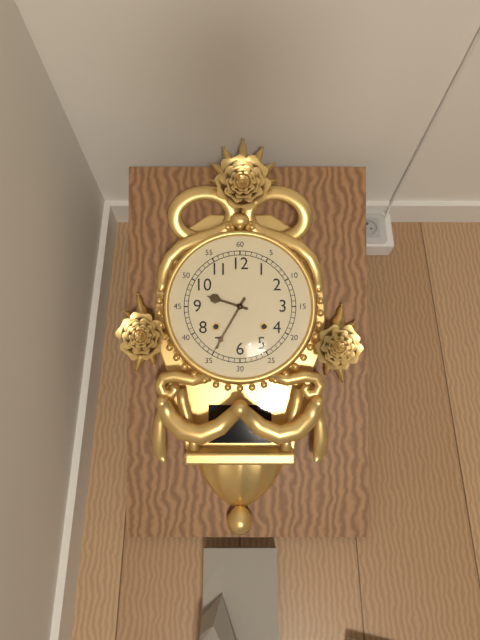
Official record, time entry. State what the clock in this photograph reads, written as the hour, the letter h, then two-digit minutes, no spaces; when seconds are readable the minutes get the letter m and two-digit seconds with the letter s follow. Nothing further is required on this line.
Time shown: 9h35
